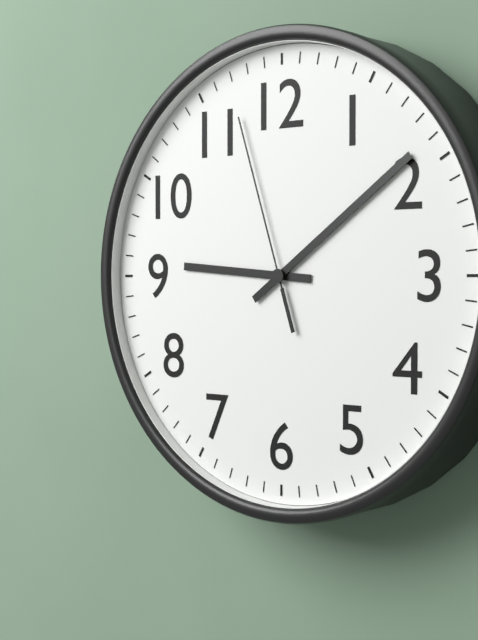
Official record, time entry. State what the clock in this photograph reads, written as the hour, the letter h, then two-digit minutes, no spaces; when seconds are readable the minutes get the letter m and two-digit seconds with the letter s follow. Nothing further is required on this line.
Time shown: 9h09m57s
